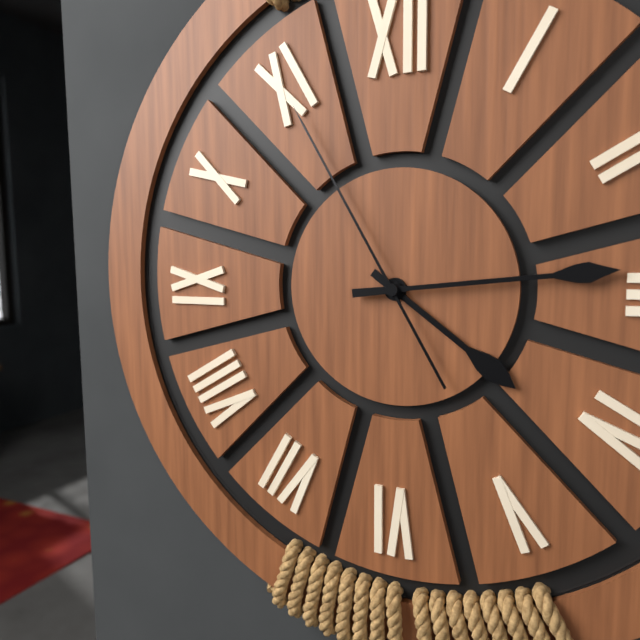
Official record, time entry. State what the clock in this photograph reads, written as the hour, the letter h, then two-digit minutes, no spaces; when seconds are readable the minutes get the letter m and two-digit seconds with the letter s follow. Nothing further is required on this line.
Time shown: 4h14m55s
